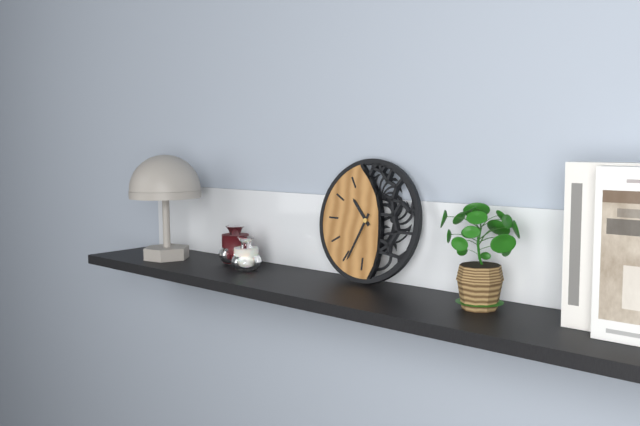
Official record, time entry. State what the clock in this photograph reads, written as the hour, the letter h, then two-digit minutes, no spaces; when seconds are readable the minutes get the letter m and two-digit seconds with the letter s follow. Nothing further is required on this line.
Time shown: 10h34
